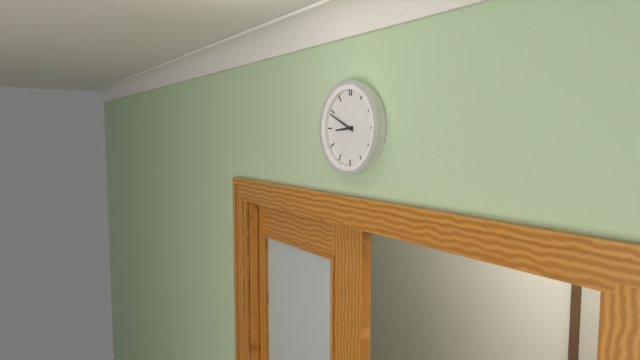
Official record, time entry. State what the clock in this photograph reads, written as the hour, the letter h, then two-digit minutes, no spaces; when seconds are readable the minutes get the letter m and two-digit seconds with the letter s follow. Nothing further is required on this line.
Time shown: 8h49
